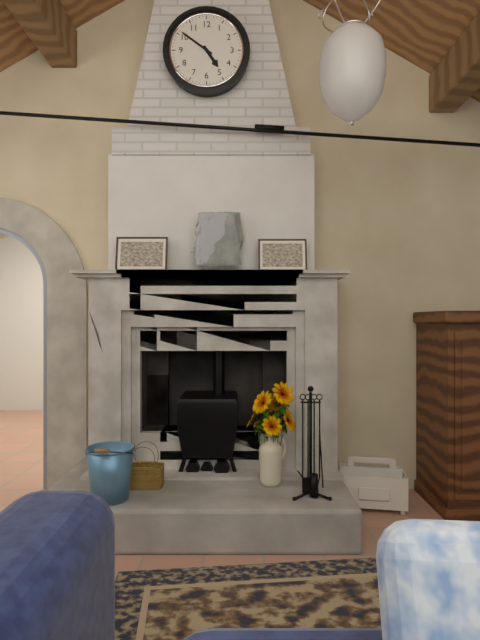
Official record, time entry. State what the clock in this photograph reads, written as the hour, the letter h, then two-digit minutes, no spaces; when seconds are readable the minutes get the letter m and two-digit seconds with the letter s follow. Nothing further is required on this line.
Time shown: 4h51
